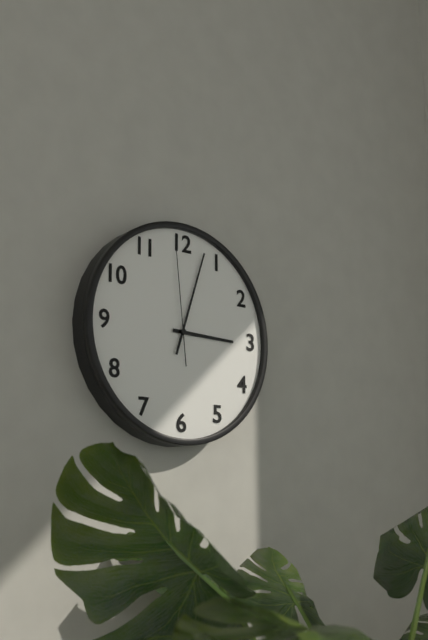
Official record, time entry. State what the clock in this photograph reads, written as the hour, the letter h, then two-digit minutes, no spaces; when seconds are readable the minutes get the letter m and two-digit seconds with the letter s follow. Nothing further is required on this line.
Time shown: 3h03m59s
